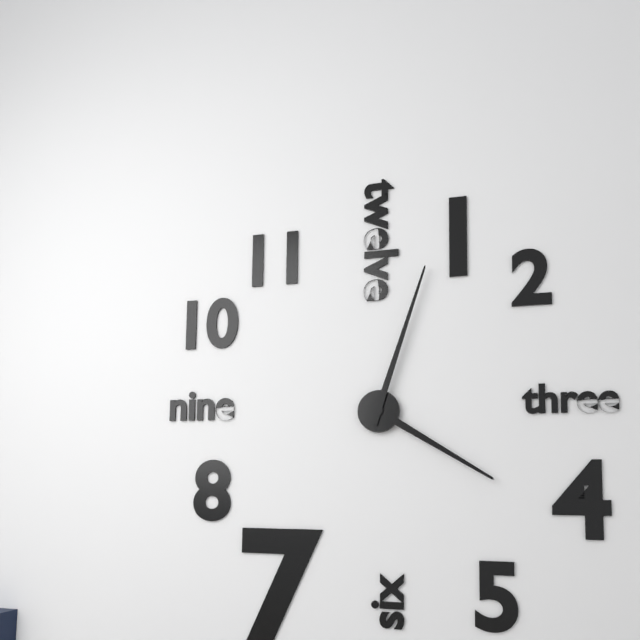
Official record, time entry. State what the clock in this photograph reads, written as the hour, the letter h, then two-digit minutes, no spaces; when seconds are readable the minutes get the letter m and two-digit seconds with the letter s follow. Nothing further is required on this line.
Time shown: 4h03
